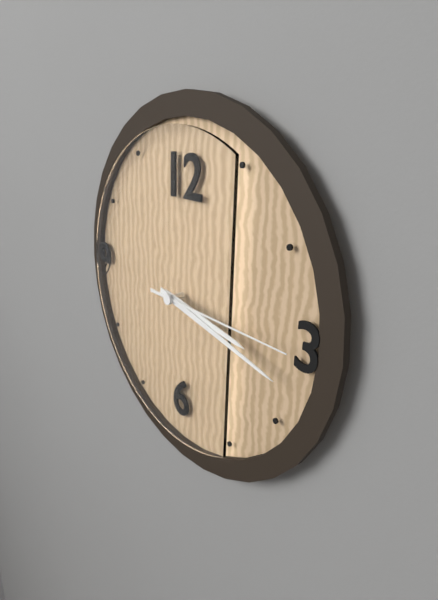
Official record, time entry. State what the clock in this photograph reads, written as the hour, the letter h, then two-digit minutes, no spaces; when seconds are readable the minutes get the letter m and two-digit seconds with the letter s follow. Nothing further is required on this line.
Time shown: 3h17m15s
